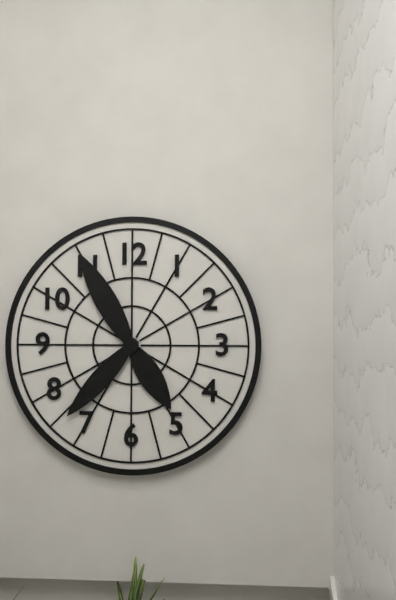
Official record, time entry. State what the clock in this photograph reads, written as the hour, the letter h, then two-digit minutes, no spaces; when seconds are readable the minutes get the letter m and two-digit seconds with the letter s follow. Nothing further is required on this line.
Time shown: 4h55m37s
